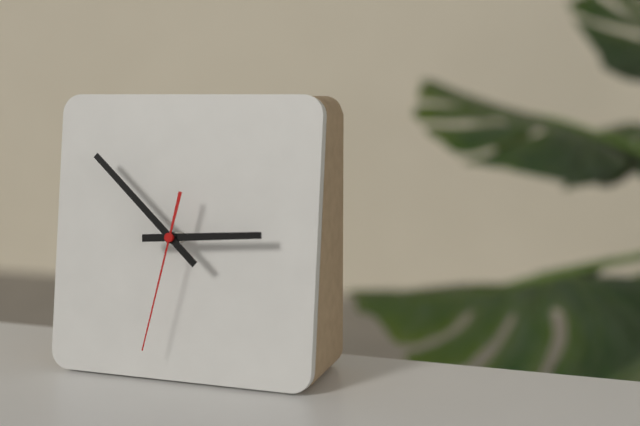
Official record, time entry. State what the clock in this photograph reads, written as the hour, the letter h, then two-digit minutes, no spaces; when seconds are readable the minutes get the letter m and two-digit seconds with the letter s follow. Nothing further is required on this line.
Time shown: 2h52m32s
